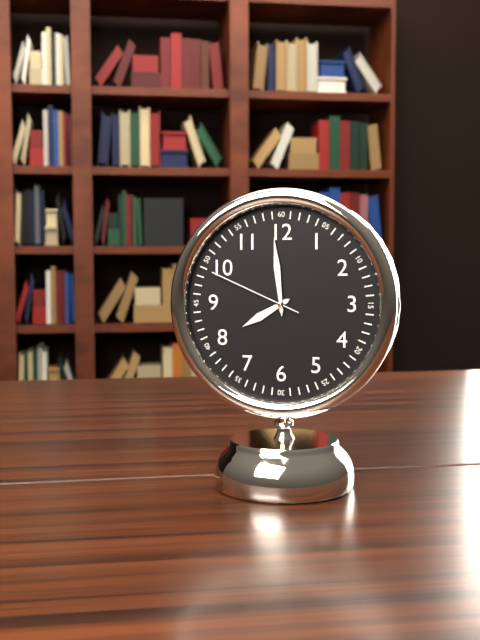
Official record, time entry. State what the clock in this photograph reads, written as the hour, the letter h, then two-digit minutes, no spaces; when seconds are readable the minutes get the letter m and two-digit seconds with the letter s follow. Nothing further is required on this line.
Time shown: 7h59m49s
